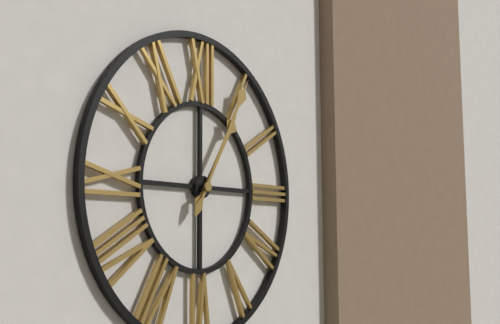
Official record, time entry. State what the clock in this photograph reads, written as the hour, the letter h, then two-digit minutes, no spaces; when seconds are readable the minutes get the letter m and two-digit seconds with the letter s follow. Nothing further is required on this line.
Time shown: 1h05
